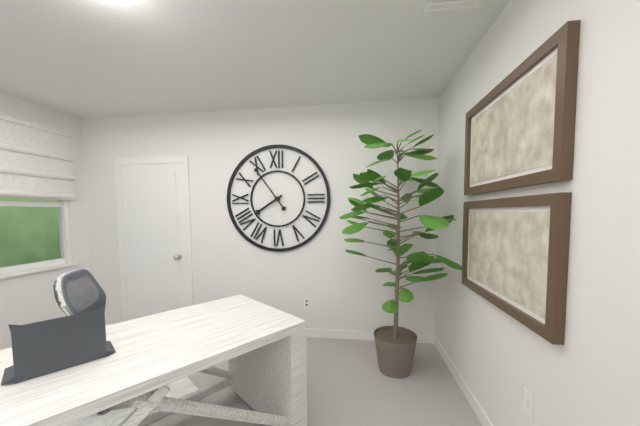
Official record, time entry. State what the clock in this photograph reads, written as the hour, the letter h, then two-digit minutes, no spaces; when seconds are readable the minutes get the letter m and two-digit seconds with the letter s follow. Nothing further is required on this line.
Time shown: 7h54
